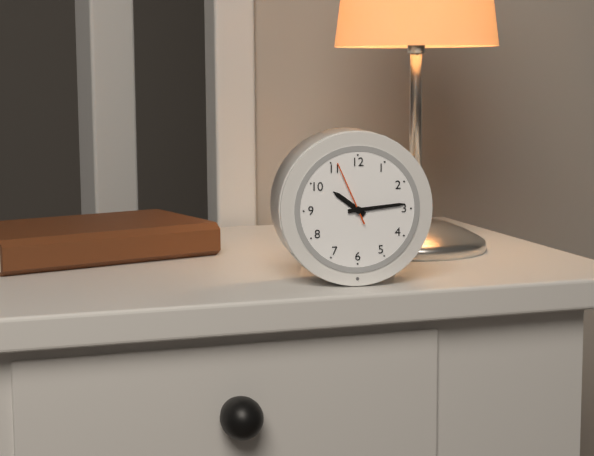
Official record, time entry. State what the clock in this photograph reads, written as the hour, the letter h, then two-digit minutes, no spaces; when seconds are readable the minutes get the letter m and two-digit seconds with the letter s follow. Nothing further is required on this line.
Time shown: 10h14m56s
